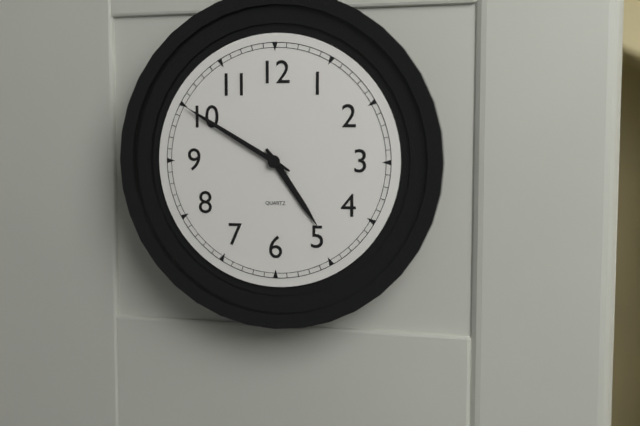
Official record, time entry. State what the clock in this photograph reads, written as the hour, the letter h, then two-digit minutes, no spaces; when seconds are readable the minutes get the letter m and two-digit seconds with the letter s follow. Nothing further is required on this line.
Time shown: 4h50
